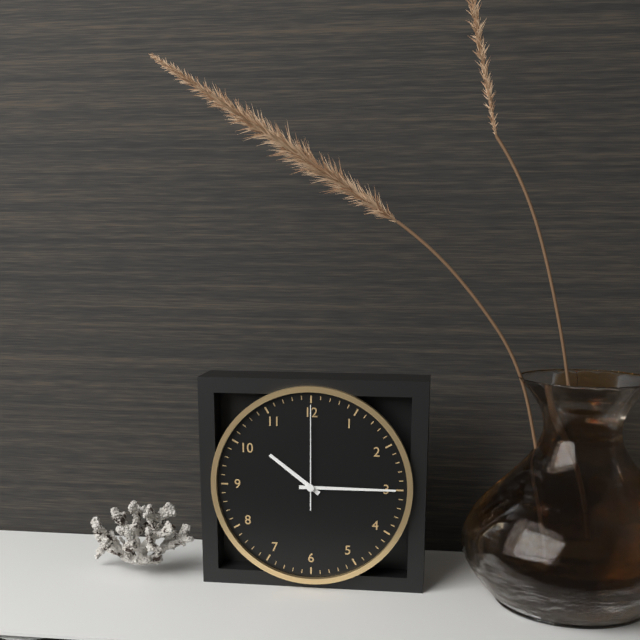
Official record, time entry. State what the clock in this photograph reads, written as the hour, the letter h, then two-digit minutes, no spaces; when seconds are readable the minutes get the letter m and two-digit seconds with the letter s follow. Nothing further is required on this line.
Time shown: 10h15m00s
